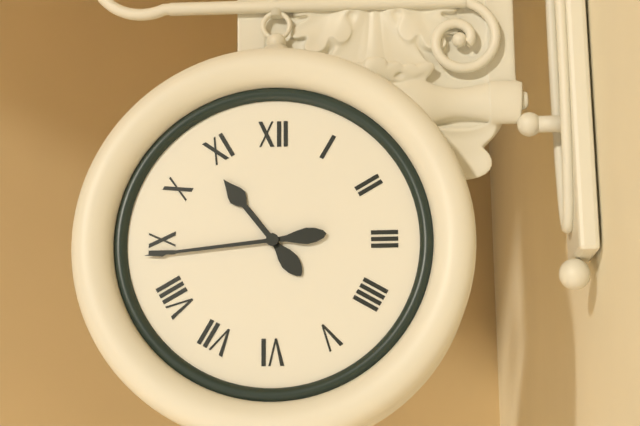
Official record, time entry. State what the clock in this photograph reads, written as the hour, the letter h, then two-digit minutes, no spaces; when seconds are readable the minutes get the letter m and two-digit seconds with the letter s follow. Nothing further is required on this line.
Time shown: 10h44
